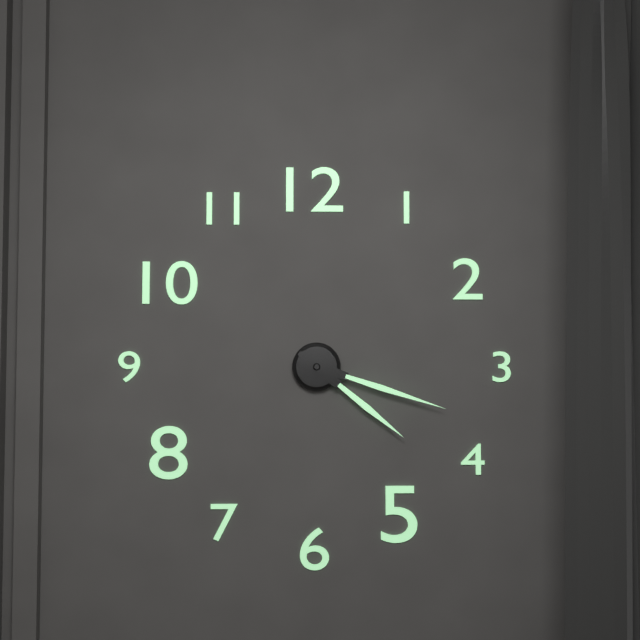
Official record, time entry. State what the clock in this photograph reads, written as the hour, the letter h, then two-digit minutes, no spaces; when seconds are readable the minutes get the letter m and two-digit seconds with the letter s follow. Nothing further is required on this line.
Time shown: 4h18
